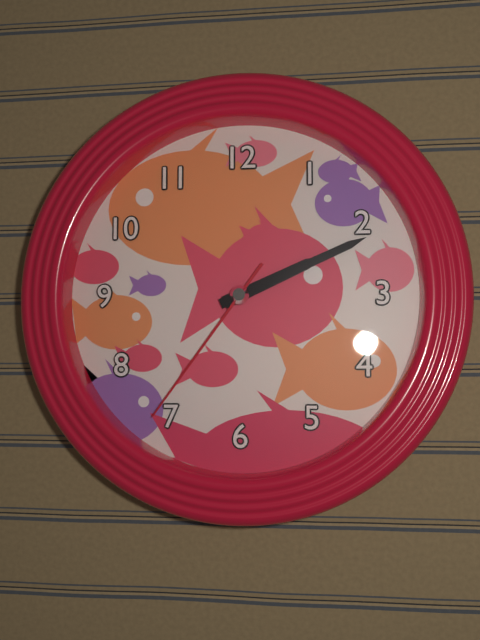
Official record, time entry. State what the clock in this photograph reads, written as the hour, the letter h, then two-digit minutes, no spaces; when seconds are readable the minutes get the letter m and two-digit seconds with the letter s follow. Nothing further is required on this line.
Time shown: 2h11m36s
